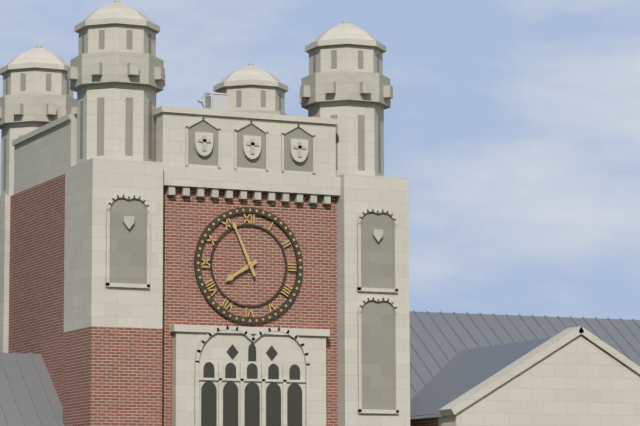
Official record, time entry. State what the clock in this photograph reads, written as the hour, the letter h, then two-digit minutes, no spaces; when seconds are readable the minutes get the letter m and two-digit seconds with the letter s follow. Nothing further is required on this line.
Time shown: 7h56
